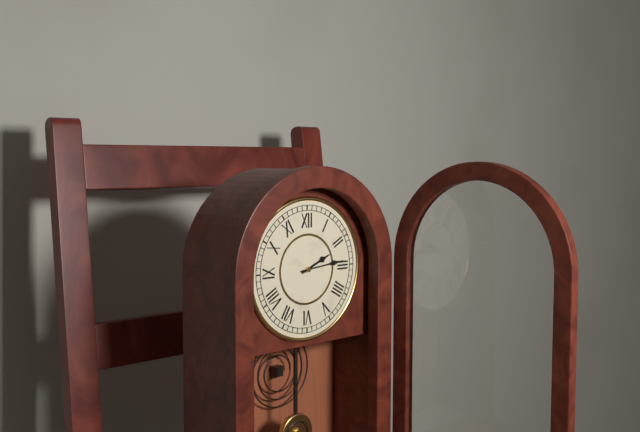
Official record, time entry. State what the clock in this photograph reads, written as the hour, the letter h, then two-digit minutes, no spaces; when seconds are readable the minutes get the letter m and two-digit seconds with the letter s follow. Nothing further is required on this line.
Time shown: 2h14
